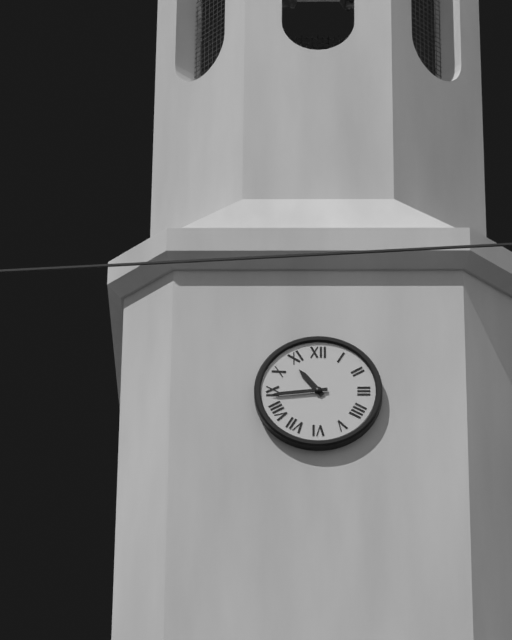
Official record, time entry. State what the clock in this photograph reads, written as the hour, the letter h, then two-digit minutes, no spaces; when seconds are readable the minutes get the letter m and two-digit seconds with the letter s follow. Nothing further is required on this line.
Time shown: 10h44
